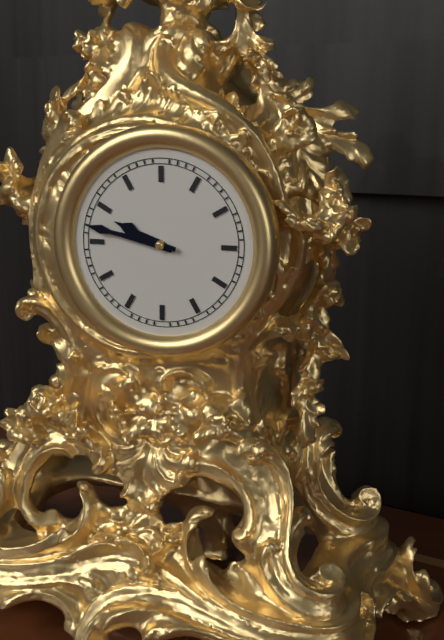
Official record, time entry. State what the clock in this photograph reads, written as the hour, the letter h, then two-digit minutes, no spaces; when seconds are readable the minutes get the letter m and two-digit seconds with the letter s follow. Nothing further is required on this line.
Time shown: 9h47
